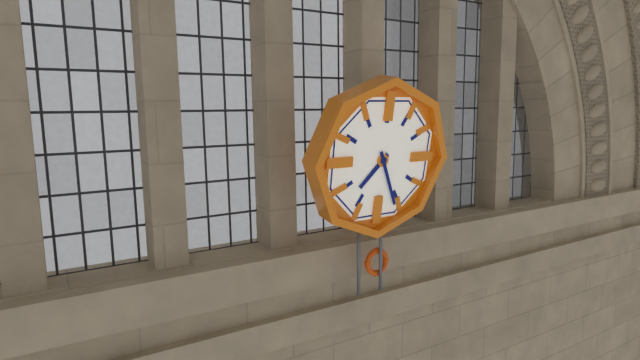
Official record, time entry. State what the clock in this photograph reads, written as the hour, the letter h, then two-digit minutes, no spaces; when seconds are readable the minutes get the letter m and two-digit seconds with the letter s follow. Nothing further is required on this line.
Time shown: 7h26
